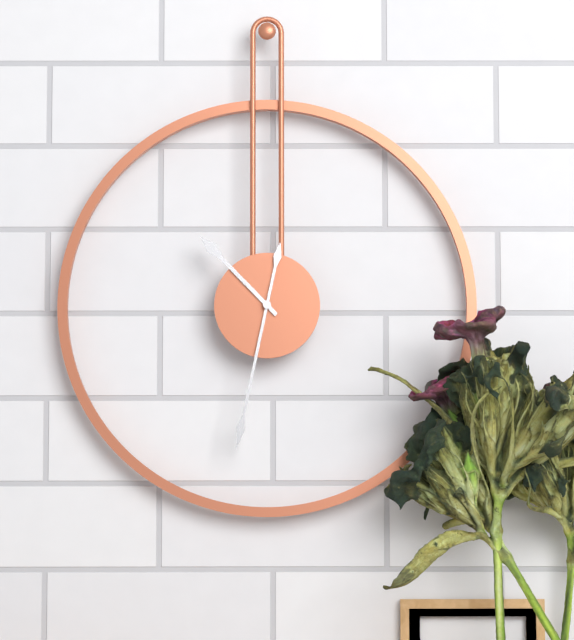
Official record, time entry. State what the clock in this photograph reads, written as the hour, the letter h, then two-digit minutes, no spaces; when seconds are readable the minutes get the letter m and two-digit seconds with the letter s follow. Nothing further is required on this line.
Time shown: 10h32
